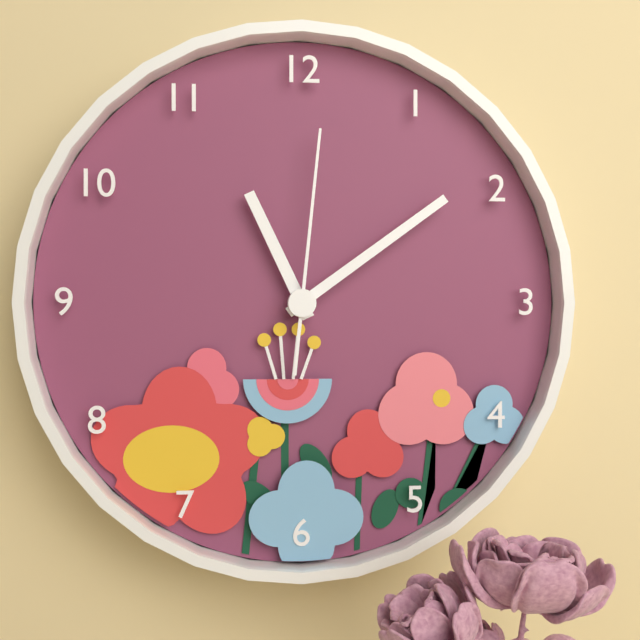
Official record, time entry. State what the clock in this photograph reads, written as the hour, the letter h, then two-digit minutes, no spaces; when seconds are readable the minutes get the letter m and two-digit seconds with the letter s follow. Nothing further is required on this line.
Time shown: 11h09m01s
